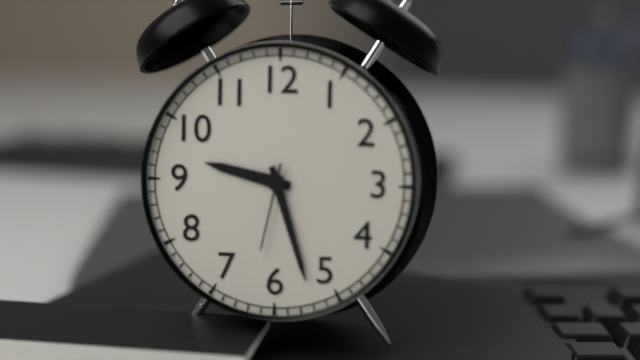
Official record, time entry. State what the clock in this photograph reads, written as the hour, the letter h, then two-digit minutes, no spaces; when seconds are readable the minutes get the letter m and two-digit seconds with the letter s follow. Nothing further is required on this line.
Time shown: 9h27m32s
